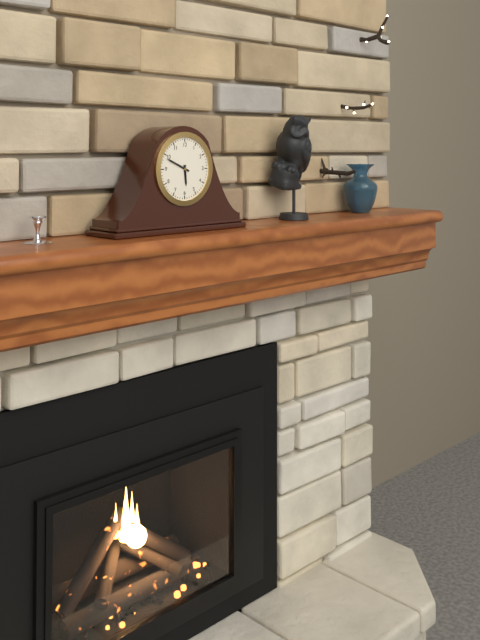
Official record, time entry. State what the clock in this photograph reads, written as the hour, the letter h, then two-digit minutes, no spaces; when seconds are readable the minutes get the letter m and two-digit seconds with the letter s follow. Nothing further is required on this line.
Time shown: 5h49
